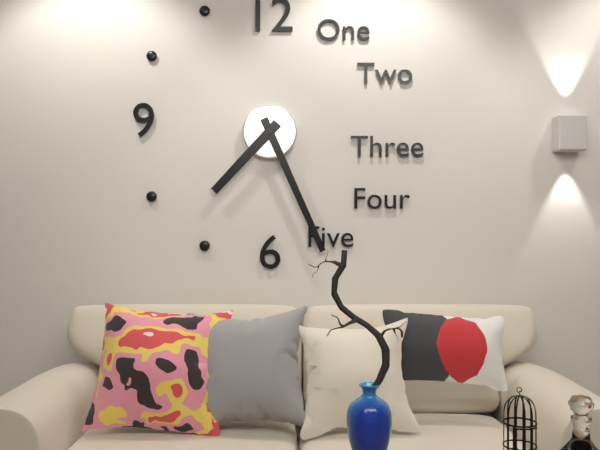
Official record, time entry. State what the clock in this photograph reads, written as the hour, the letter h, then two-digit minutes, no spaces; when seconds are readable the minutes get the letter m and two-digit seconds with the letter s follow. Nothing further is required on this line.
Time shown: 7h26
